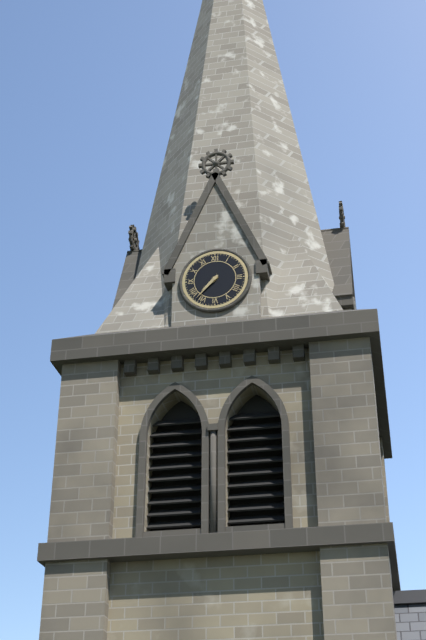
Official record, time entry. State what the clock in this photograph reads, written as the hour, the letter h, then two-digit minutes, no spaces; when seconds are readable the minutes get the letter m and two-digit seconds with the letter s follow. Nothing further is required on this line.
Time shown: 7h37
